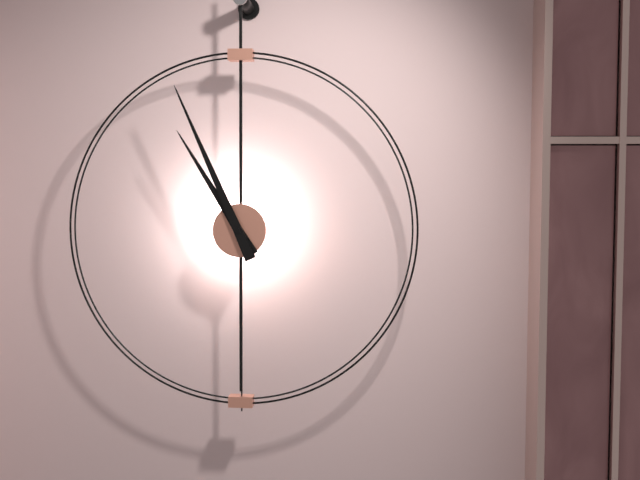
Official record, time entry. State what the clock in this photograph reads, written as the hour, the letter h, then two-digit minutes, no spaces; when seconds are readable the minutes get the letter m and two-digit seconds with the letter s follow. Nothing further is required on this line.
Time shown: 10h56
